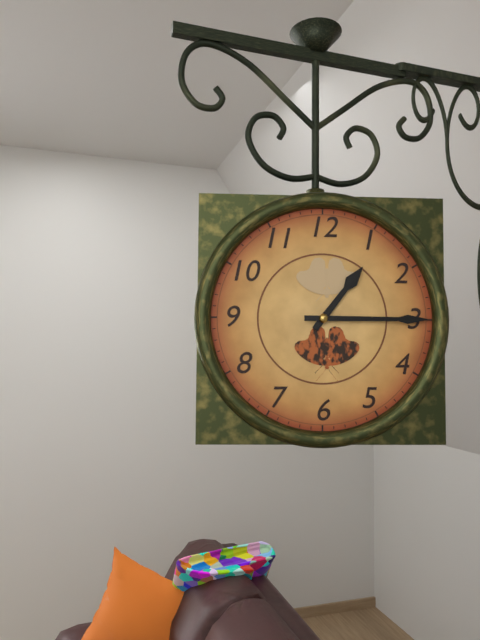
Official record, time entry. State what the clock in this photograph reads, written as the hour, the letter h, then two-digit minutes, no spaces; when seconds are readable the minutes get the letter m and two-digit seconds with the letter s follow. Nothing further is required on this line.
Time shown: 1h15
